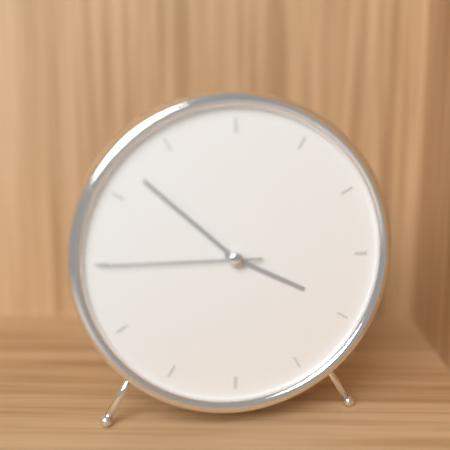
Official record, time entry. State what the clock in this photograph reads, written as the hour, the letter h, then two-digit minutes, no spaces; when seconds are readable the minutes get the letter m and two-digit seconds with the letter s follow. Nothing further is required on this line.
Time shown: 3h52m45s
